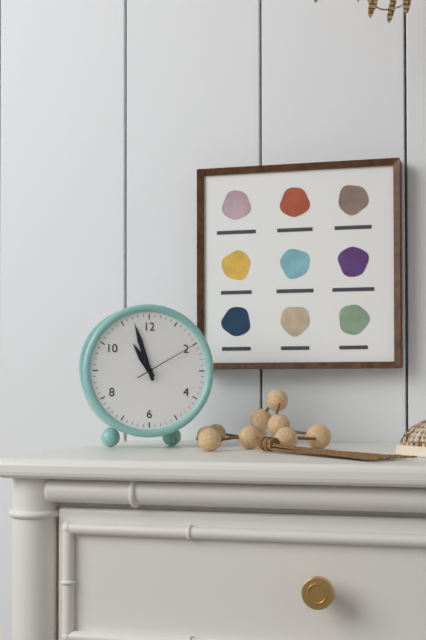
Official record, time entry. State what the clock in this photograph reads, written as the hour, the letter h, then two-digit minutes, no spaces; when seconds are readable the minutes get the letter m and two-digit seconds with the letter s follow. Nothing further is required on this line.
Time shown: 10h57m10s
